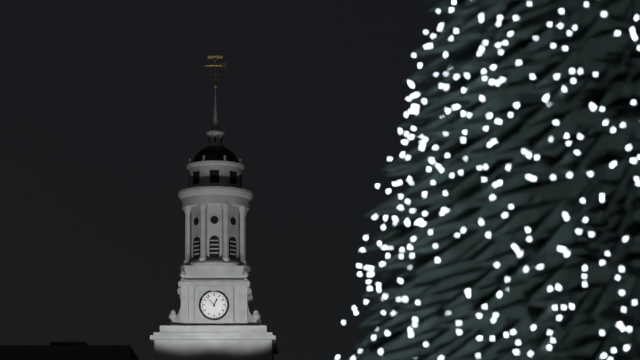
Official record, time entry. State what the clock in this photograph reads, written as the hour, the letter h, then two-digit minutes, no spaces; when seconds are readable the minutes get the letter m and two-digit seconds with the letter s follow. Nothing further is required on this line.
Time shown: 12h53
